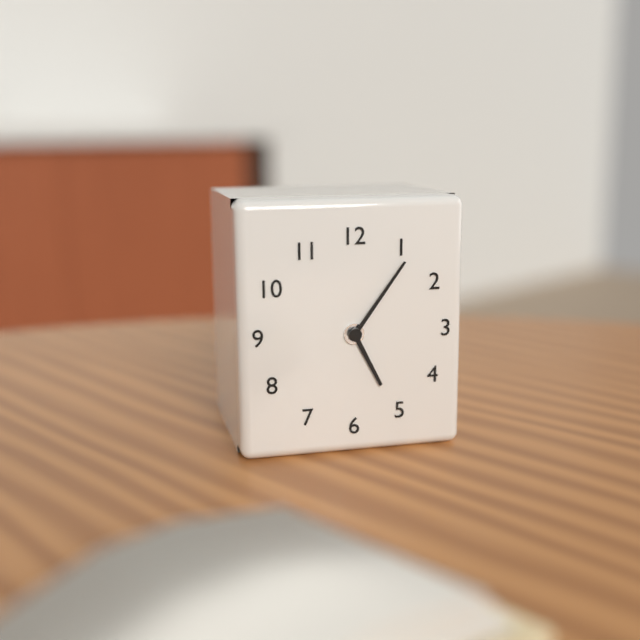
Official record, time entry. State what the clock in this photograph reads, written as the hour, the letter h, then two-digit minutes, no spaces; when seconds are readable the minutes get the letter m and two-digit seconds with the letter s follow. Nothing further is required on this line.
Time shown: 5h06
